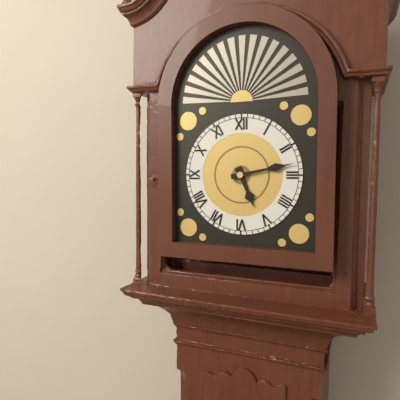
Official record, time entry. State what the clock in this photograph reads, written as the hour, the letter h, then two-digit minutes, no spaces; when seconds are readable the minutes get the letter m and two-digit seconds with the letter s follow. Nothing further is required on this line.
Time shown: 5h13
